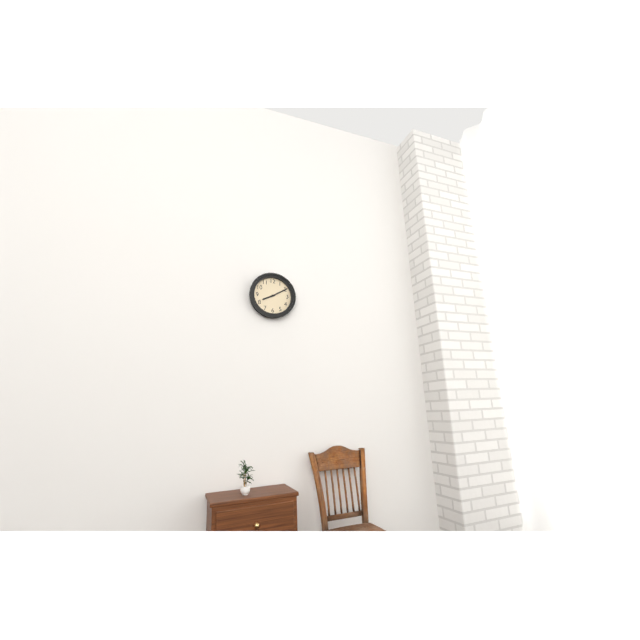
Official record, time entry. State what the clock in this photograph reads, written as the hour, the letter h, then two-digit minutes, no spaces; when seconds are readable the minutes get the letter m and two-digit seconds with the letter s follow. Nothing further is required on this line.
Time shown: 8h10
